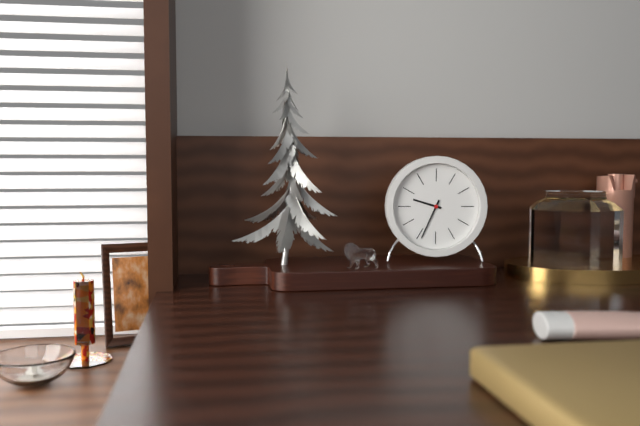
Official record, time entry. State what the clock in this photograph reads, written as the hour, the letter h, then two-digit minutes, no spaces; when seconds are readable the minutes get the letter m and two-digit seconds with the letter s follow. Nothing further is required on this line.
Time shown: 9h34
